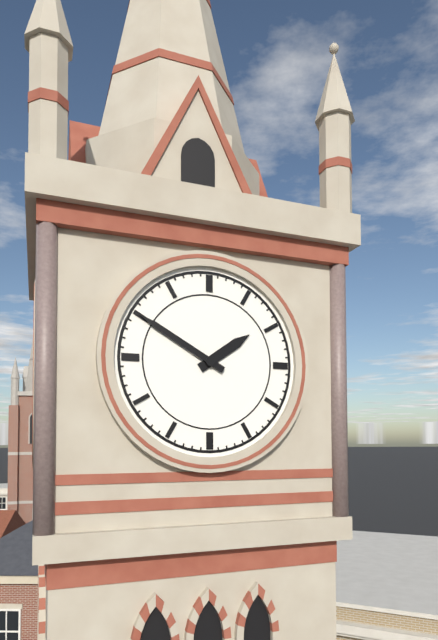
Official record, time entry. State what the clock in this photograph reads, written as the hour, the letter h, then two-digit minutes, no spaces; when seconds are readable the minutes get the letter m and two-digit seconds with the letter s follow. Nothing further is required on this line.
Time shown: 1h50
